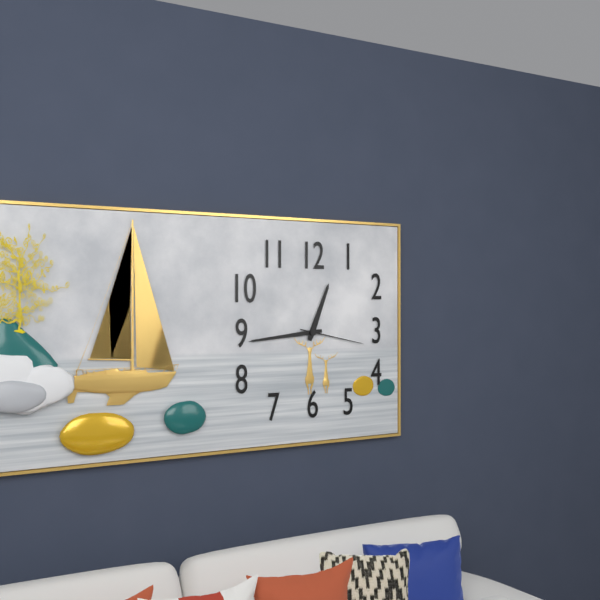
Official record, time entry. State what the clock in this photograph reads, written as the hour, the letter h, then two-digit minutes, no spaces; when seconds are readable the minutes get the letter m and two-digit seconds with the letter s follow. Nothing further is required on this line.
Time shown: 12h44m17s
